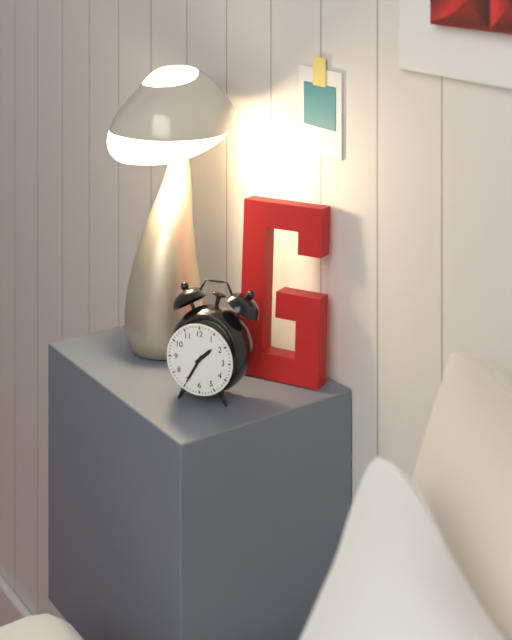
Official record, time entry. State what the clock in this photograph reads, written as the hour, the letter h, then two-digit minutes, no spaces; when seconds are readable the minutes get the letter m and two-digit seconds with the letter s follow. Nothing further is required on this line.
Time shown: 1h35
